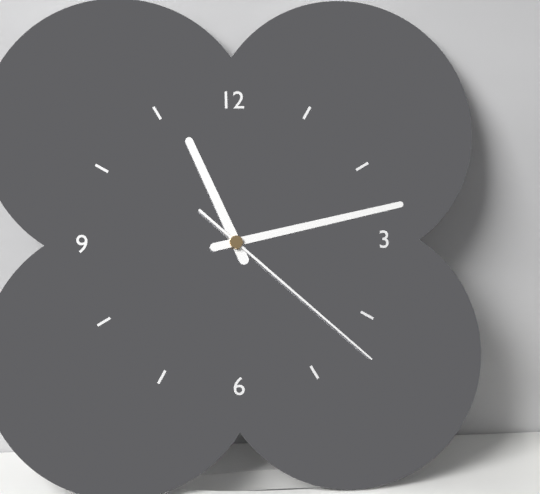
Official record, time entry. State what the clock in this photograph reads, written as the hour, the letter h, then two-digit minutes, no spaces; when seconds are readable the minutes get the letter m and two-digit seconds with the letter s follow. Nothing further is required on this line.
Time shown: 11h13m22s
